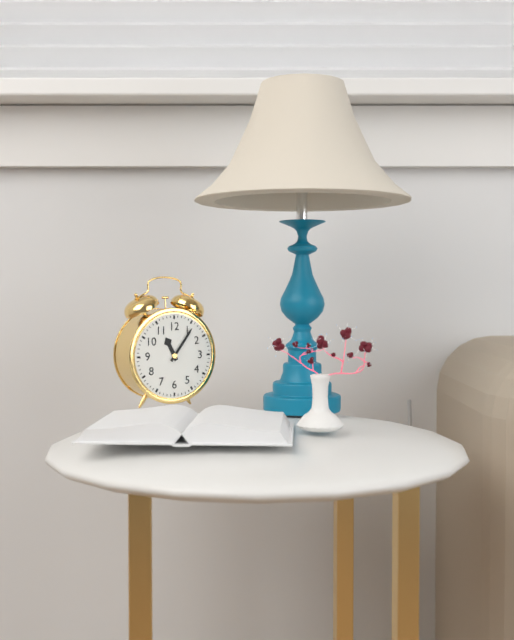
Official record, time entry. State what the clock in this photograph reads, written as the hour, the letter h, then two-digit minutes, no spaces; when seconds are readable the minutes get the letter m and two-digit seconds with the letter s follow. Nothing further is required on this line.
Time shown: 11h06
